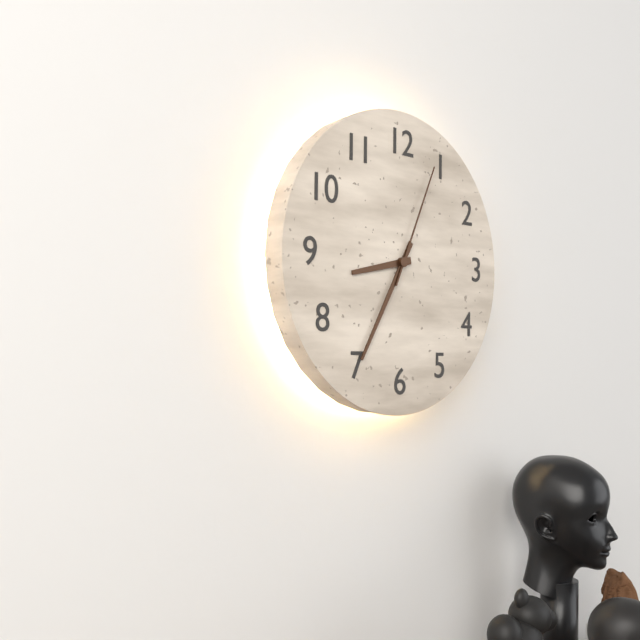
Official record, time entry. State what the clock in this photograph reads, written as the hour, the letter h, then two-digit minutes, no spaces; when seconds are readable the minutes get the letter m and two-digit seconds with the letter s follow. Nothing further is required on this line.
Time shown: 8h35m04s
